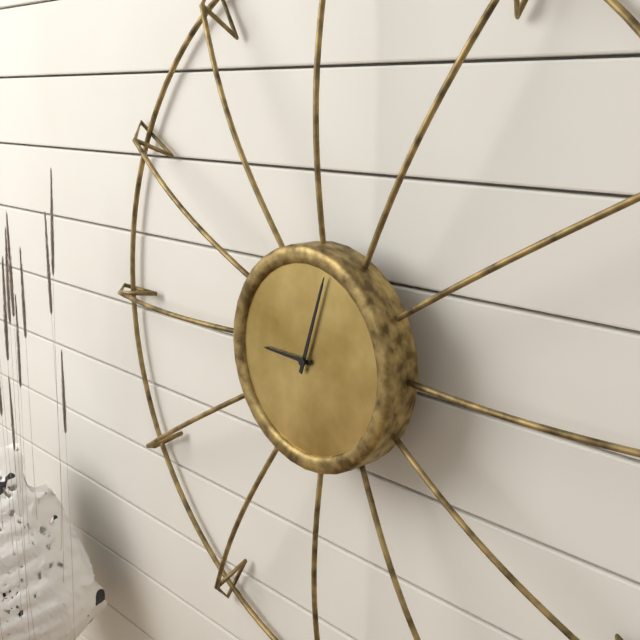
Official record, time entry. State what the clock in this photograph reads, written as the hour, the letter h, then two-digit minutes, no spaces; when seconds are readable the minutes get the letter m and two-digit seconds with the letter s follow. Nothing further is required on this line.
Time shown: 9h03
